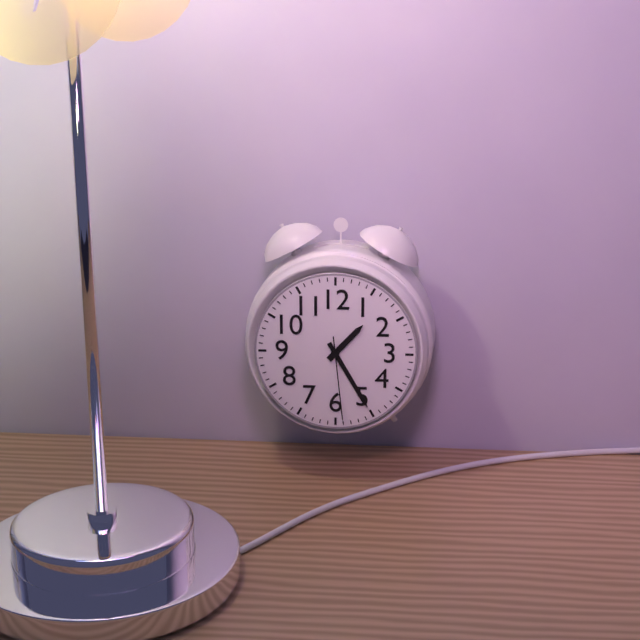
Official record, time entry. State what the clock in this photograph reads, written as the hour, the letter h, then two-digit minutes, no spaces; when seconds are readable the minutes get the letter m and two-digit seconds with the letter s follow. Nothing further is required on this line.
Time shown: 1h25m29s
